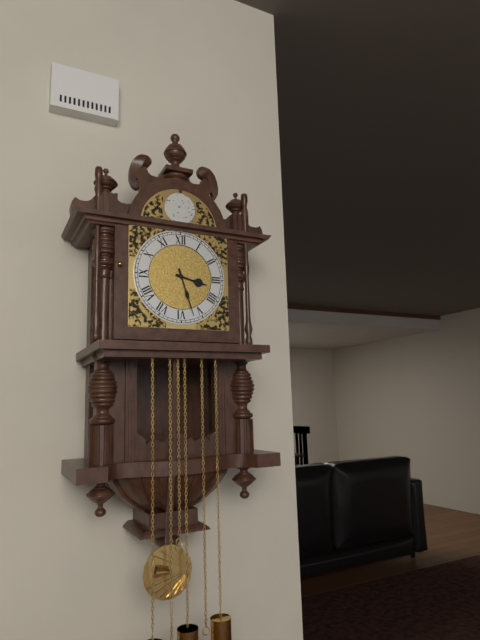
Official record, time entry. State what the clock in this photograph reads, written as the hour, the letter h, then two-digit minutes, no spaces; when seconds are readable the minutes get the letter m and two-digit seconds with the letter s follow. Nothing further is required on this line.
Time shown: 3h27
